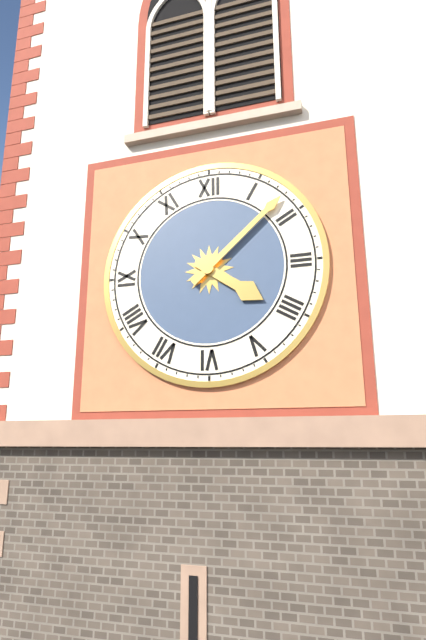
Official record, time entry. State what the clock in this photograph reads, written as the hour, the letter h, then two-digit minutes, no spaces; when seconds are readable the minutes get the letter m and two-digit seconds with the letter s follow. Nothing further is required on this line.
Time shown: 4h08
